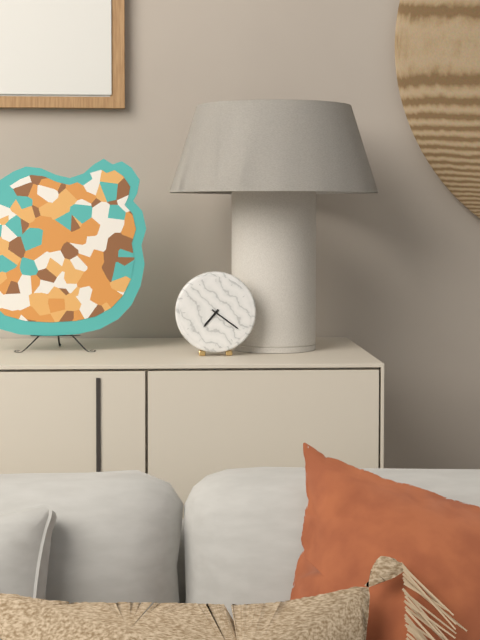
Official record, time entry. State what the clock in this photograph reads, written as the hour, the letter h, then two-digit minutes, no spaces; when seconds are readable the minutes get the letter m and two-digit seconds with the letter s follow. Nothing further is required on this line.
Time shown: 7h21
